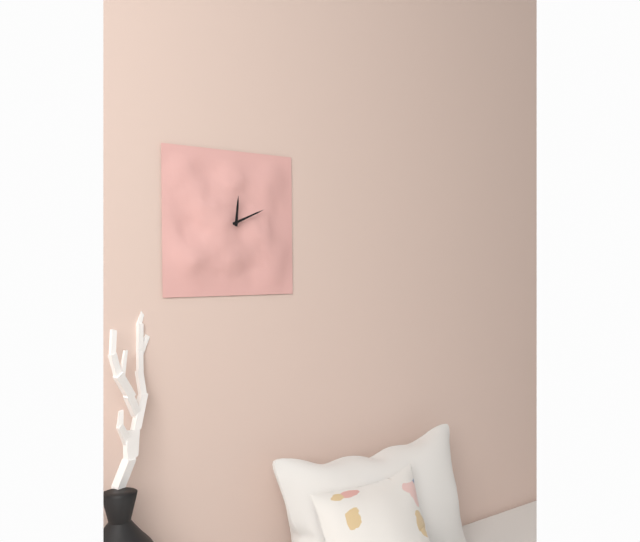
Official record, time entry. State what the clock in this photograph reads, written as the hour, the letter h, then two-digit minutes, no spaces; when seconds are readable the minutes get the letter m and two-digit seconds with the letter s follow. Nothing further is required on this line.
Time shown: 12h11
